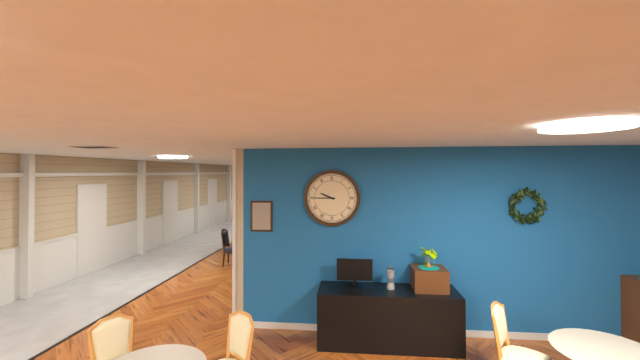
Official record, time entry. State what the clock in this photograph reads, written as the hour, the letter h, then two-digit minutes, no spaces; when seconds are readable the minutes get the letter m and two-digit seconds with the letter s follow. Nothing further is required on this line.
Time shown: 9h45
